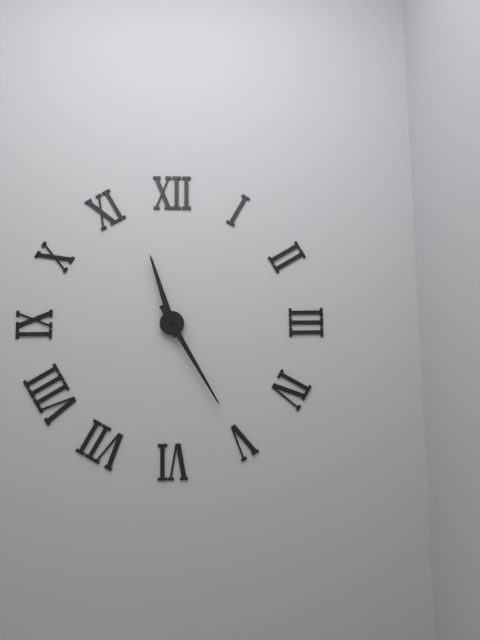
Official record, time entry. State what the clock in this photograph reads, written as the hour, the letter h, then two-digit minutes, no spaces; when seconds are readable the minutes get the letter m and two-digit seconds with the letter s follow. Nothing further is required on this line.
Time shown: 11h25
